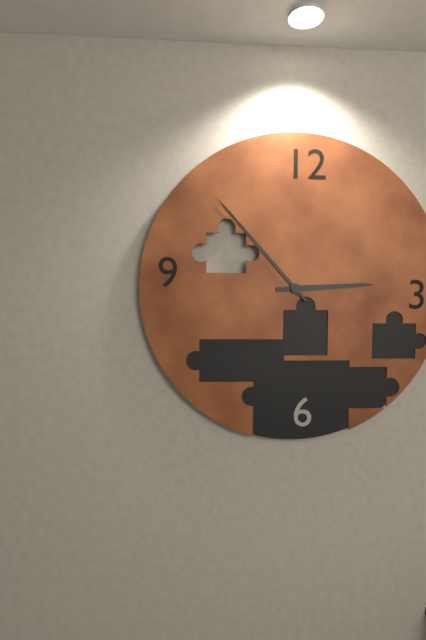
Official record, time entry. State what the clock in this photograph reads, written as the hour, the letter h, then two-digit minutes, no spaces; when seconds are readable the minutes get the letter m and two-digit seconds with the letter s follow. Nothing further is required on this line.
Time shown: 2h53
